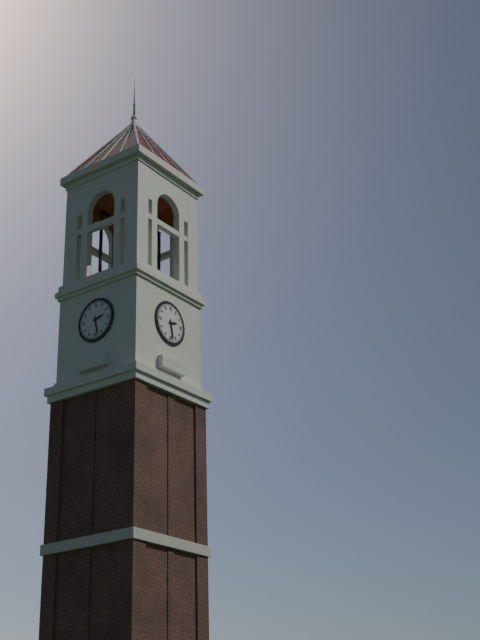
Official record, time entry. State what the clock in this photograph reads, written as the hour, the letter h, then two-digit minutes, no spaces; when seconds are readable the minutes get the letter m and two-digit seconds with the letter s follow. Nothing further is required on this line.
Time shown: 2h28
